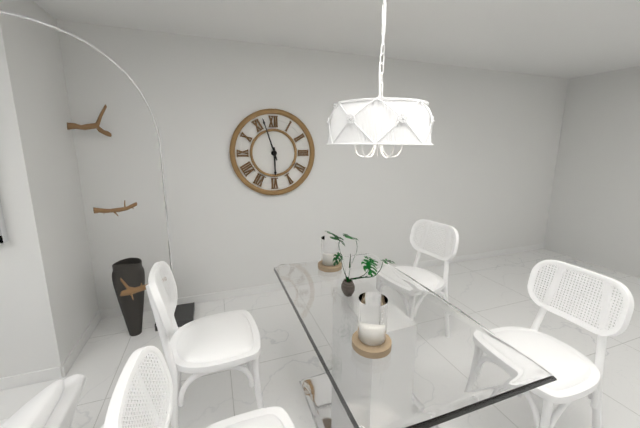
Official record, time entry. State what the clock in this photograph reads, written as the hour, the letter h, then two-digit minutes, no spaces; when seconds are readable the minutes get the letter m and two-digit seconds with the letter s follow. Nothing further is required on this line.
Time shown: 5h57
